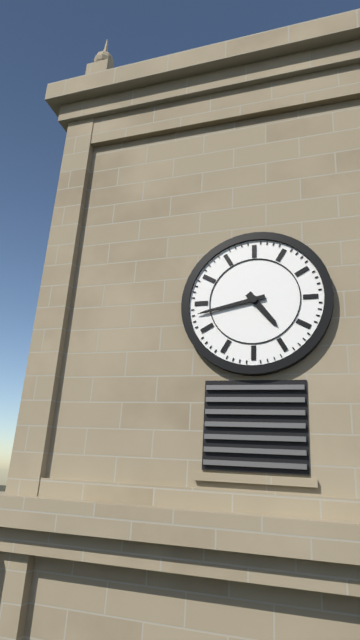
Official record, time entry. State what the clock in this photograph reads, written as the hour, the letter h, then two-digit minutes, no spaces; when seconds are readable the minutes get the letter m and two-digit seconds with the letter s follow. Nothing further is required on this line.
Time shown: 4h43
